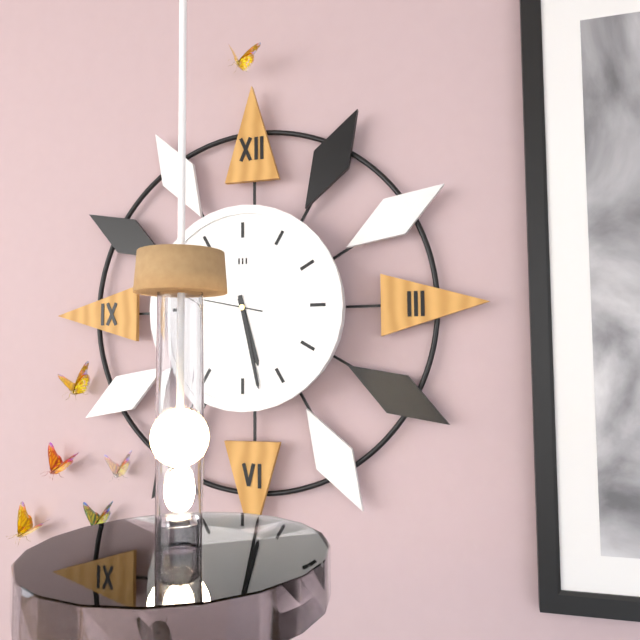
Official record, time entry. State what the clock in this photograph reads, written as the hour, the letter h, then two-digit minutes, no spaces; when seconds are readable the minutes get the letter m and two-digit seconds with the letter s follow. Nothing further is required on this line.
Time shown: 5h28
